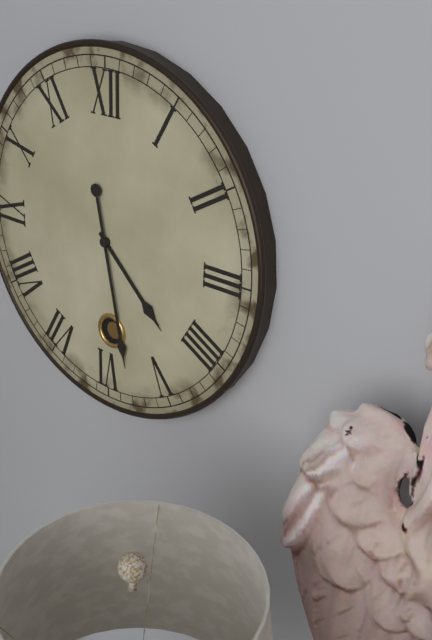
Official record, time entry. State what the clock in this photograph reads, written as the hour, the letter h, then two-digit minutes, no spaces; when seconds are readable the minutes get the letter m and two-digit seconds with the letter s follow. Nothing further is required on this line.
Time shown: 4h28
